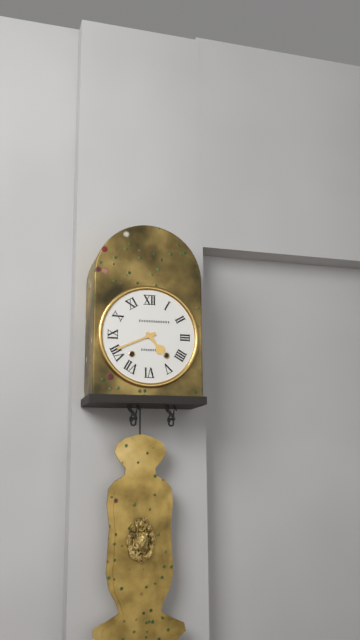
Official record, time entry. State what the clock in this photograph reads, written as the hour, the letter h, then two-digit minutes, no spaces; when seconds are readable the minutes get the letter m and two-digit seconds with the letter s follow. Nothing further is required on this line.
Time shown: 4h41
